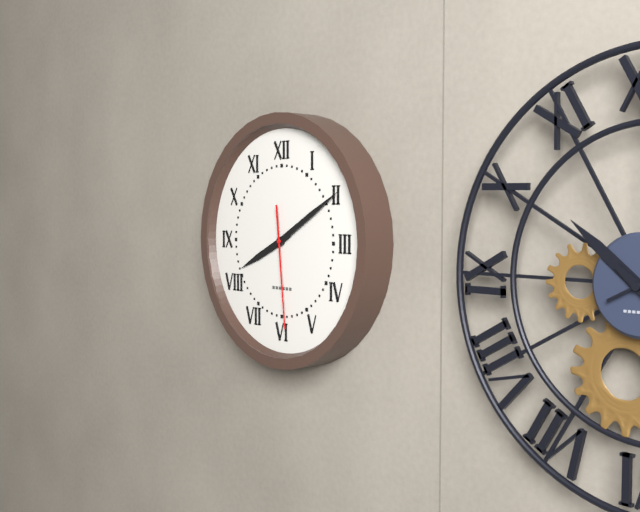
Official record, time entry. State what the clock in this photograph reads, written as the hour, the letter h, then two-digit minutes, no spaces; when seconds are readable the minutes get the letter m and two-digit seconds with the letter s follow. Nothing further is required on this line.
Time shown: 8h10m29s
